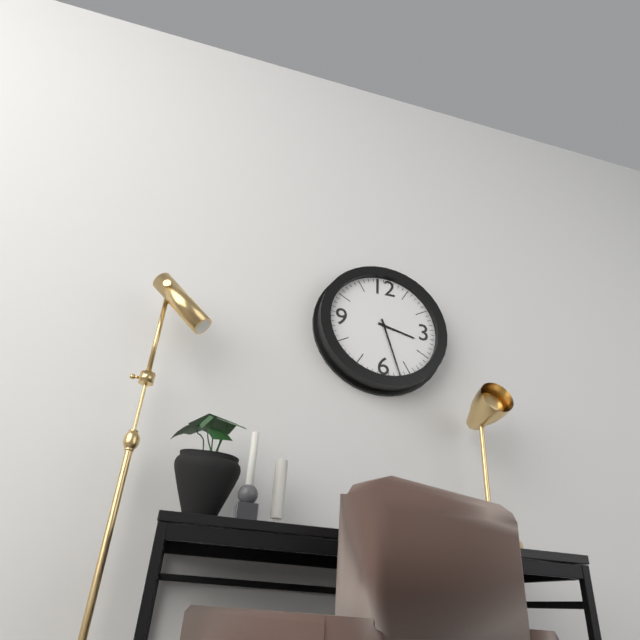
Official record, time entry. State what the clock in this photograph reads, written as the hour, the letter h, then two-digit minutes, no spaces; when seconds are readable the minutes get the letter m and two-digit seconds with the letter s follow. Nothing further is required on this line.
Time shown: 3h27
